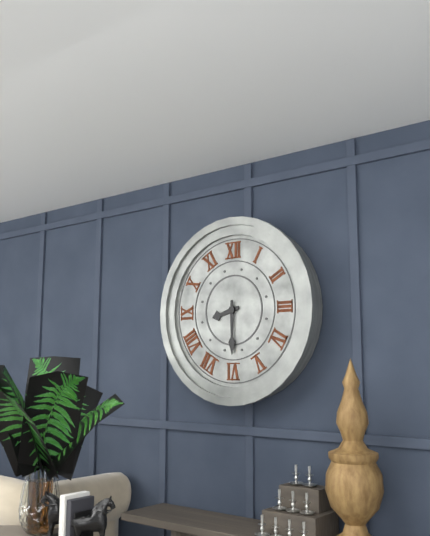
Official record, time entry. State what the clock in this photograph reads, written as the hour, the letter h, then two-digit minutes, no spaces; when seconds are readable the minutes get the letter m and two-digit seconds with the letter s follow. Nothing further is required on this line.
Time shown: 8h30
